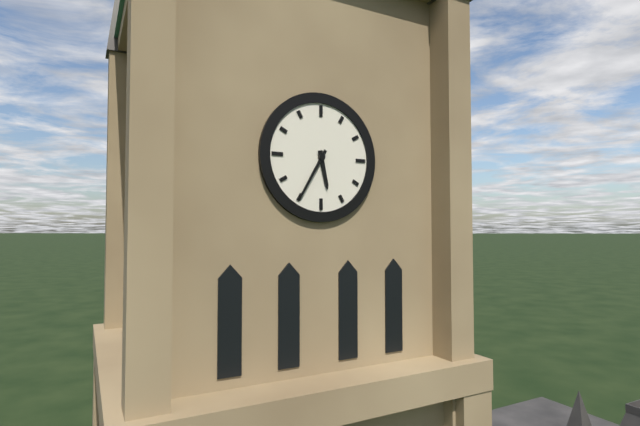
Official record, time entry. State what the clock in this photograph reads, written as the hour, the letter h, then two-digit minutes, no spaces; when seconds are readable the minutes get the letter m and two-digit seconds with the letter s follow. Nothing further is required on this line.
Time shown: 5h35
